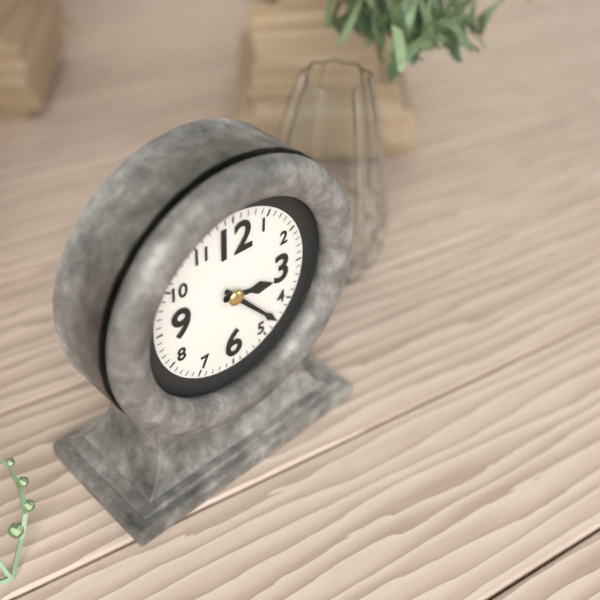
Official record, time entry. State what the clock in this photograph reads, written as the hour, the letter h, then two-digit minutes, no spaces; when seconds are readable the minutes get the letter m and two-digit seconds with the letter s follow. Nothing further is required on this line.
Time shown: 3h23
